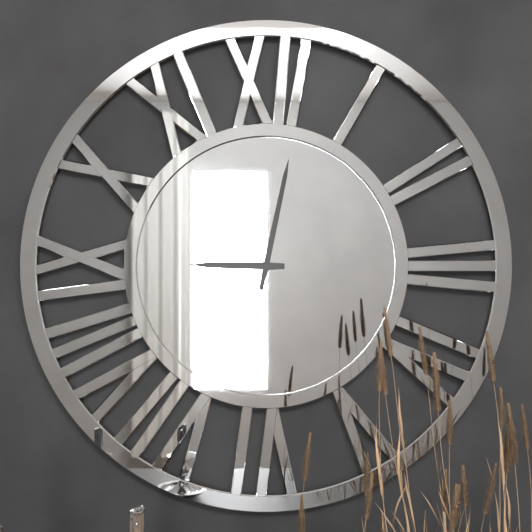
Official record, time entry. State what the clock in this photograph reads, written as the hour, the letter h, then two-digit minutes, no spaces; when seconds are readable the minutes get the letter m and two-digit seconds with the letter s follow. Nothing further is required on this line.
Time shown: 9h02
